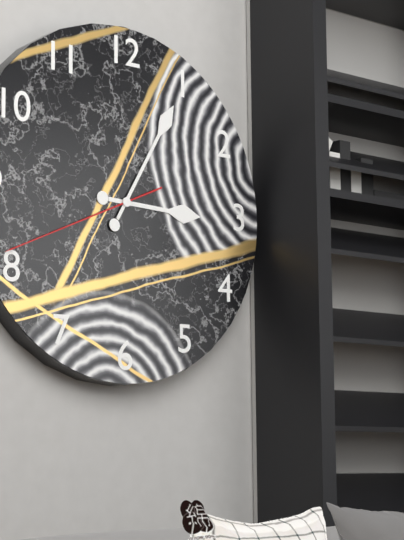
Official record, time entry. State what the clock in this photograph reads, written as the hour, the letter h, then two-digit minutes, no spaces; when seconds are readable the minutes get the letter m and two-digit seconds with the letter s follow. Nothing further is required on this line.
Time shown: 3h05m41s
